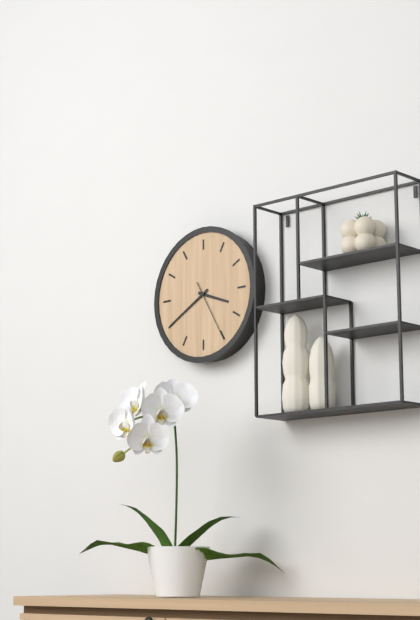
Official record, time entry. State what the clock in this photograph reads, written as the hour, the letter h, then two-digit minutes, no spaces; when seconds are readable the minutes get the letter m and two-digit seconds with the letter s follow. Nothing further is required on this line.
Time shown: 3h40m25s
